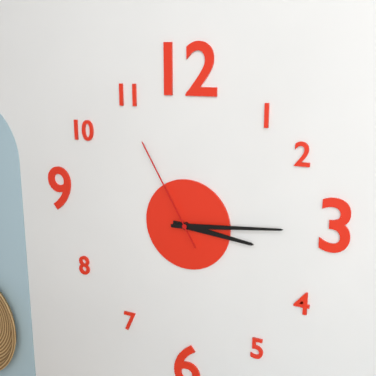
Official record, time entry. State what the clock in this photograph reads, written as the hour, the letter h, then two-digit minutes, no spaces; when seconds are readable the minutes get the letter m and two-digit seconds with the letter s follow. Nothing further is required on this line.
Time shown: 3h14m55s
